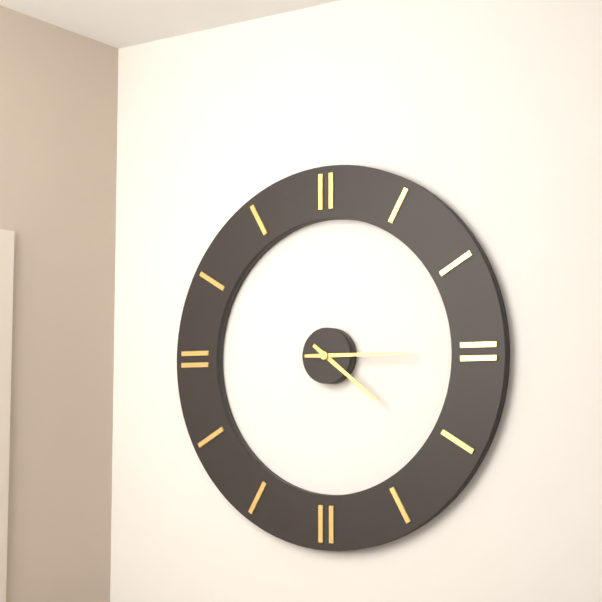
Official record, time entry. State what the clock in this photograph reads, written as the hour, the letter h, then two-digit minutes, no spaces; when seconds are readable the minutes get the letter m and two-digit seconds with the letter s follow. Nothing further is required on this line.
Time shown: 4h15
